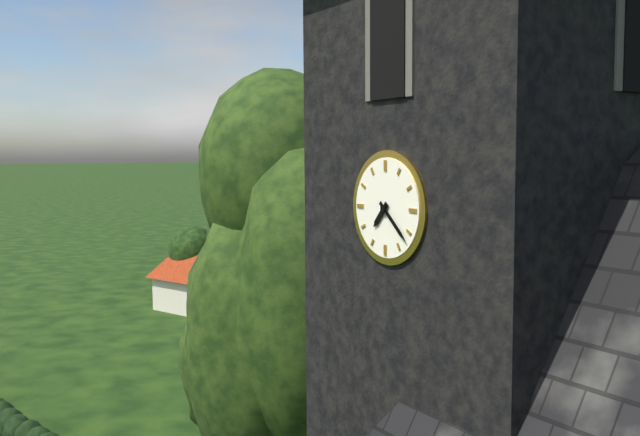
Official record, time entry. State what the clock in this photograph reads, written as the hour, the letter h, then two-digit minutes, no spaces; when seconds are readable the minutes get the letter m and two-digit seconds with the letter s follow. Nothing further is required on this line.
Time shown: 7h22
